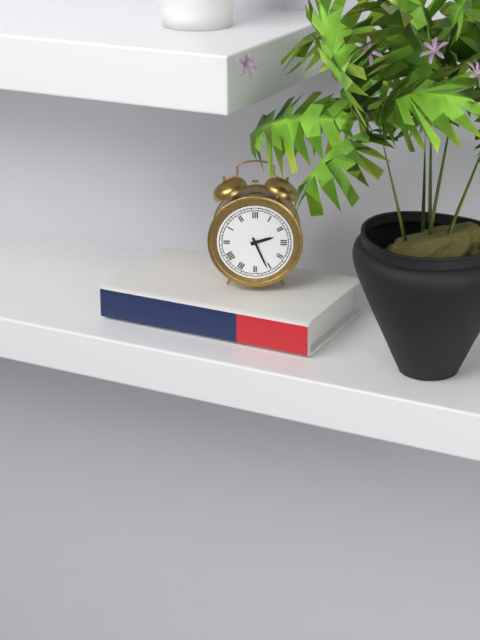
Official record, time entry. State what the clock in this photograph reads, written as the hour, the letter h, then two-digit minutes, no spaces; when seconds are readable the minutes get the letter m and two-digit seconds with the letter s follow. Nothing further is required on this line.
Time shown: 2h26
